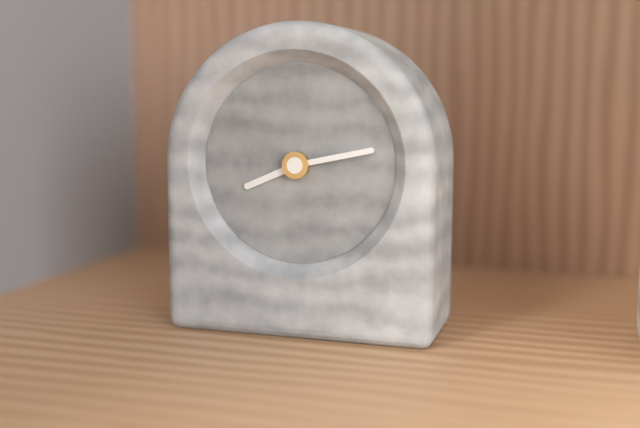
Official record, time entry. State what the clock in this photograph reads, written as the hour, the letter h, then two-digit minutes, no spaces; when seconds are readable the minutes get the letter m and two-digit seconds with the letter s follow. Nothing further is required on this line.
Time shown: 8h13
